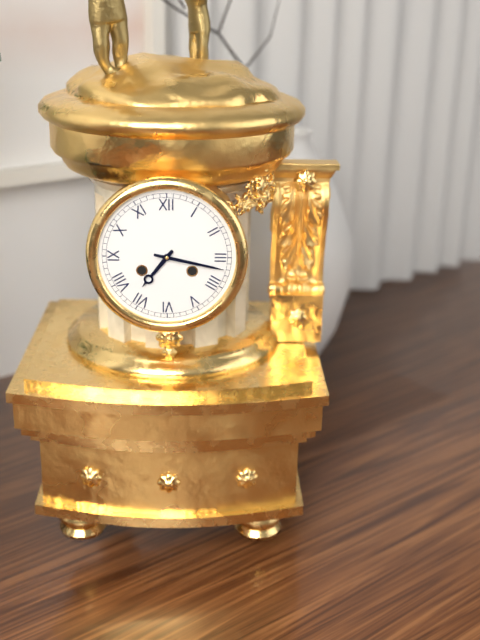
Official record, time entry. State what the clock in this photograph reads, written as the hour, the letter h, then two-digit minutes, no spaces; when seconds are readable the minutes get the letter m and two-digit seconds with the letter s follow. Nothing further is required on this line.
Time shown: 7h17
